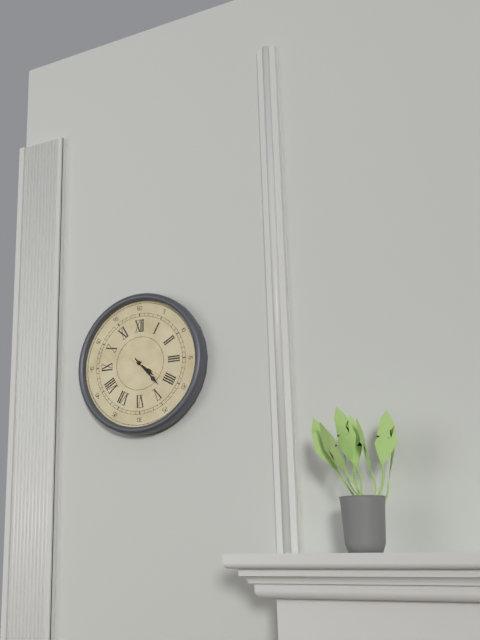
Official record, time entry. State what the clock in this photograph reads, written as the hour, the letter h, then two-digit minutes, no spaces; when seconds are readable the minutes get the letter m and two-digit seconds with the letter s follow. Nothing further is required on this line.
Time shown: 4h23
